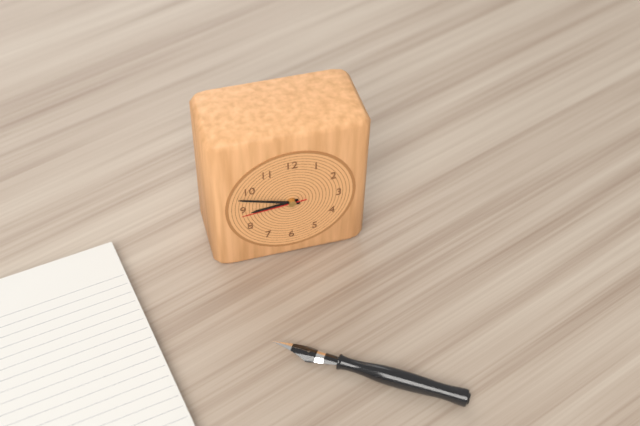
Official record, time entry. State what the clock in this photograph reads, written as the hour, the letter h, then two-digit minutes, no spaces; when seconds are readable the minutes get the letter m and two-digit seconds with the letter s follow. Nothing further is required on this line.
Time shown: 8h48m44s
